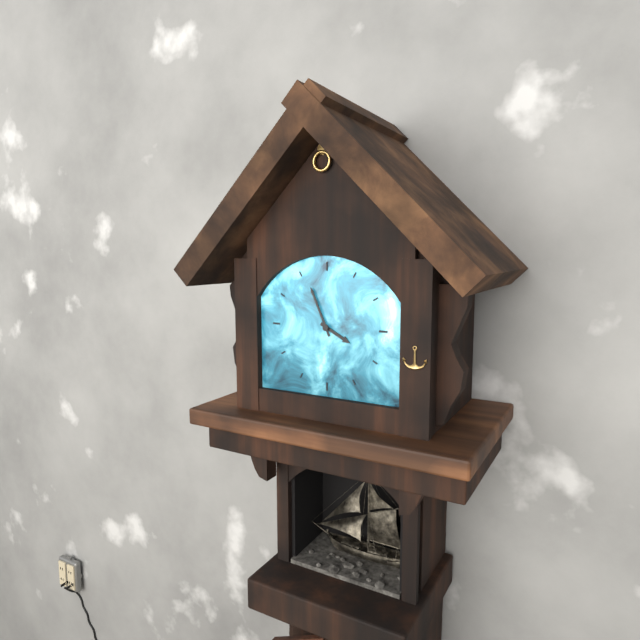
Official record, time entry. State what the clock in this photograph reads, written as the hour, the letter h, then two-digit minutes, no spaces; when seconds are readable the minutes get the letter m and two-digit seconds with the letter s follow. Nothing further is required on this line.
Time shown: 3h56
